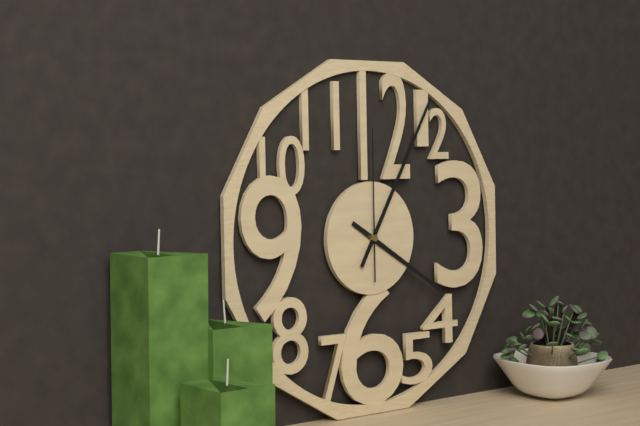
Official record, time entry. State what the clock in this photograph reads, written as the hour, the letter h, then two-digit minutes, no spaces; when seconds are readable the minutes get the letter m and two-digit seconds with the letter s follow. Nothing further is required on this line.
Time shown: 4h05m00s
